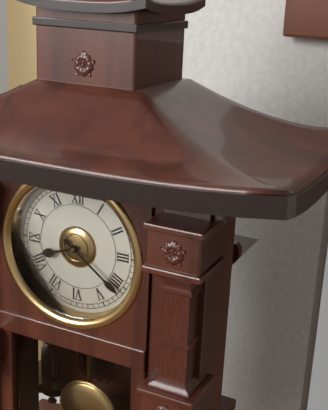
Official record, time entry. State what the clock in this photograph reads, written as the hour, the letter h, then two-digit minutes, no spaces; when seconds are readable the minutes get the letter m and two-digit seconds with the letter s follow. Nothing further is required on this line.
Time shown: 8h21
